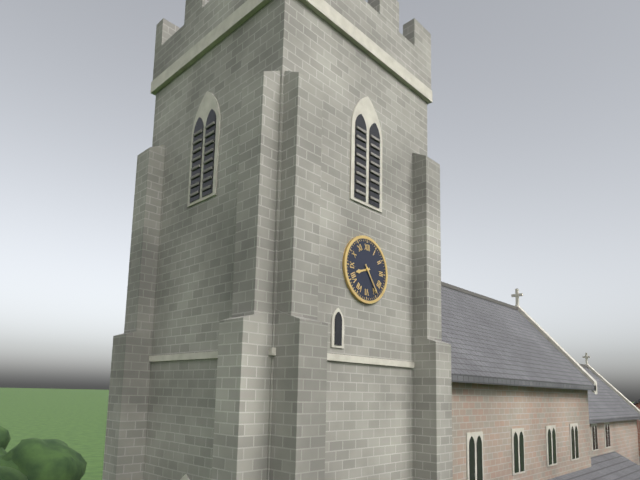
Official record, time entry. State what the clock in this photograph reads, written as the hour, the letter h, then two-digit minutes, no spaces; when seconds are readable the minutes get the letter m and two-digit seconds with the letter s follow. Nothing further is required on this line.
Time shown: 8h24
